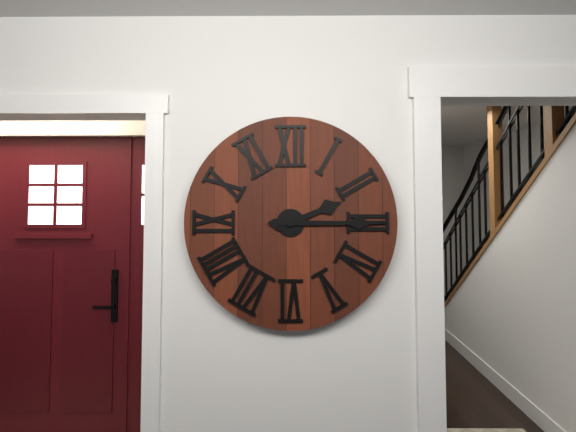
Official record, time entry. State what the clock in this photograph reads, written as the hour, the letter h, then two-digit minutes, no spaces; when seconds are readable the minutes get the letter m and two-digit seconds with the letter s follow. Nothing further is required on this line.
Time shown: 2h15
